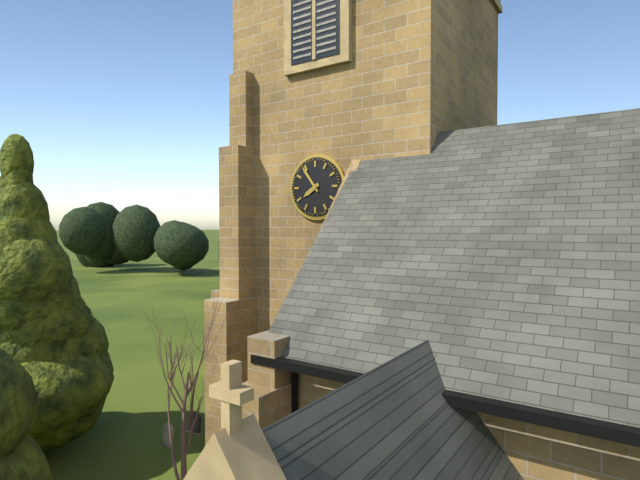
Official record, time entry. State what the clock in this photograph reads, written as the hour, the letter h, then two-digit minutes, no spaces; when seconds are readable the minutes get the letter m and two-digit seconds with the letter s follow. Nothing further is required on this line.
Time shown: 7h54
